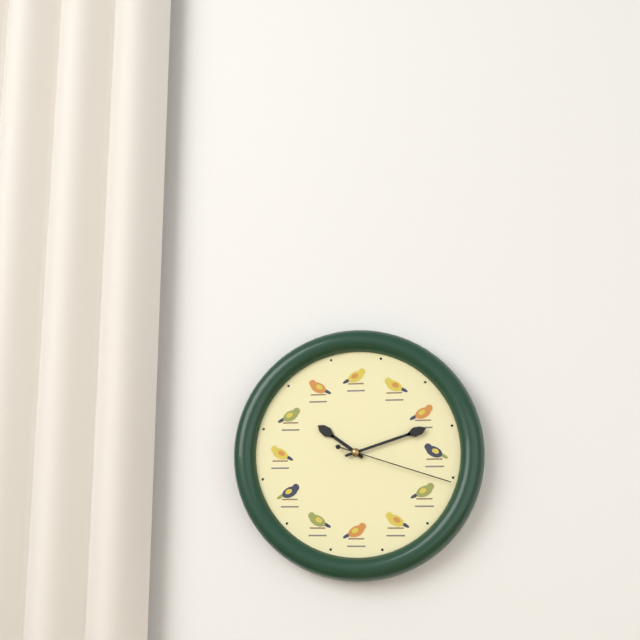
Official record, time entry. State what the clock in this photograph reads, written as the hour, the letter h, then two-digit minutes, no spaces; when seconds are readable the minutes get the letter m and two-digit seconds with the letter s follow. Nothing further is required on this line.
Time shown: 10h12m18s
